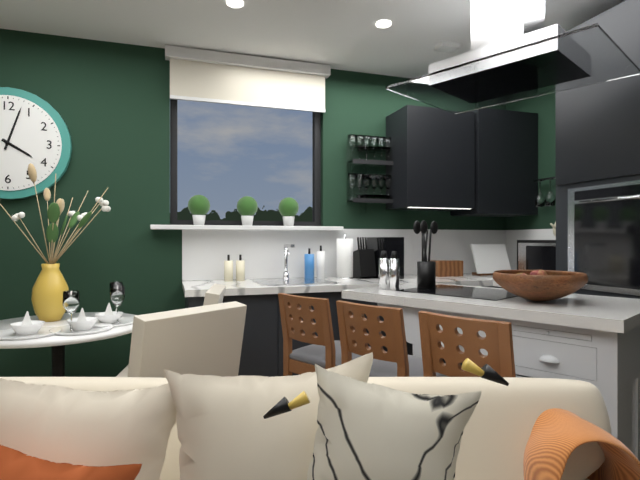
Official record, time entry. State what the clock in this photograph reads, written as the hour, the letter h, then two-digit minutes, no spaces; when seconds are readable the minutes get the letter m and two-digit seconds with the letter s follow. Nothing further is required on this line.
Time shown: 4h03
